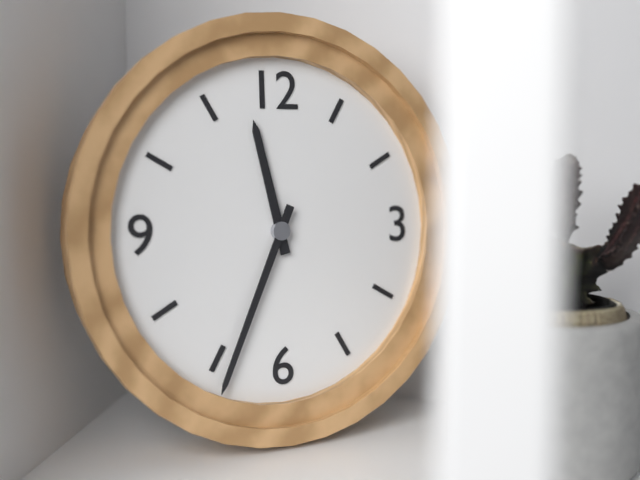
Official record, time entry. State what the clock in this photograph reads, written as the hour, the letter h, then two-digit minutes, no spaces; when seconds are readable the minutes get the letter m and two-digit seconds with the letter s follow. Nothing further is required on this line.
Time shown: 11h34
